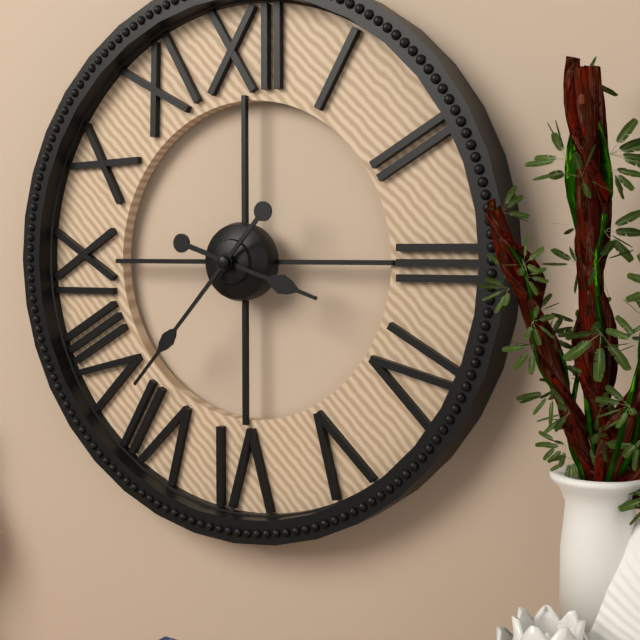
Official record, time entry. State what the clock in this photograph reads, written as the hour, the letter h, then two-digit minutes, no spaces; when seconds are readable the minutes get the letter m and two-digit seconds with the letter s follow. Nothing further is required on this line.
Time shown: 3h37
